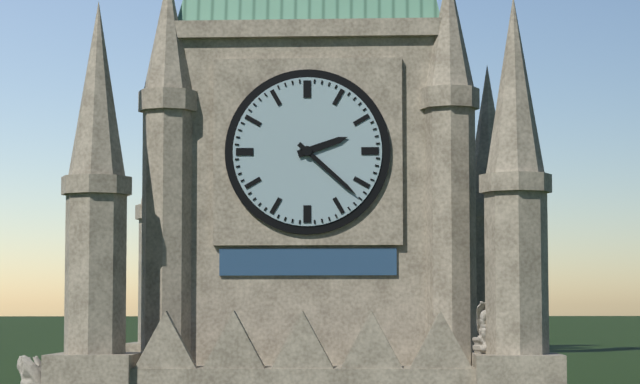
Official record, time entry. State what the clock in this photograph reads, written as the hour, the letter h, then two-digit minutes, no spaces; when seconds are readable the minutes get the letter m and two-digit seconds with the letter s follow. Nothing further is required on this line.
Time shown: 2h22
